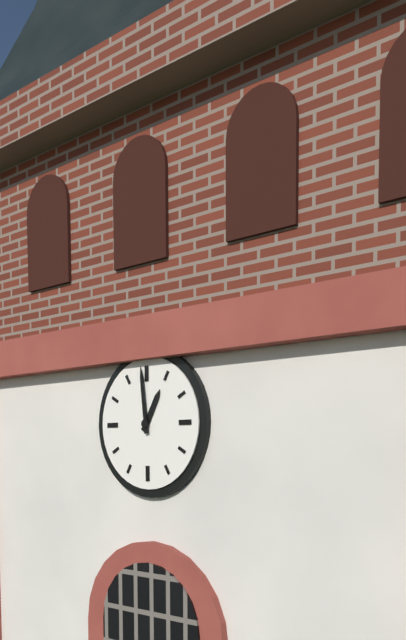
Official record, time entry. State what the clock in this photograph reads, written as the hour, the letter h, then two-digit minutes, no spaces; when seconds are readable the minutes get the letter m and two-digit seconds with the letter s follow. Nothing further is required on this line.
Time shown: 12h59
